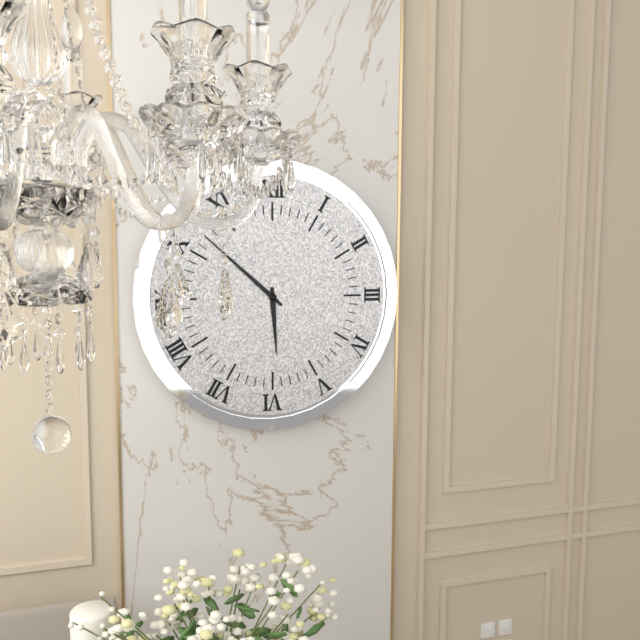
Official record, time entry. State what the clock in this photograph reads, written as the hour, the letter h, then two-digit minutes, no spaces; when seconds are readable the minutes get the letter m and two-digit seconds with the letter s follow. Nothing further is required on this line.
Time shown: 5h52
